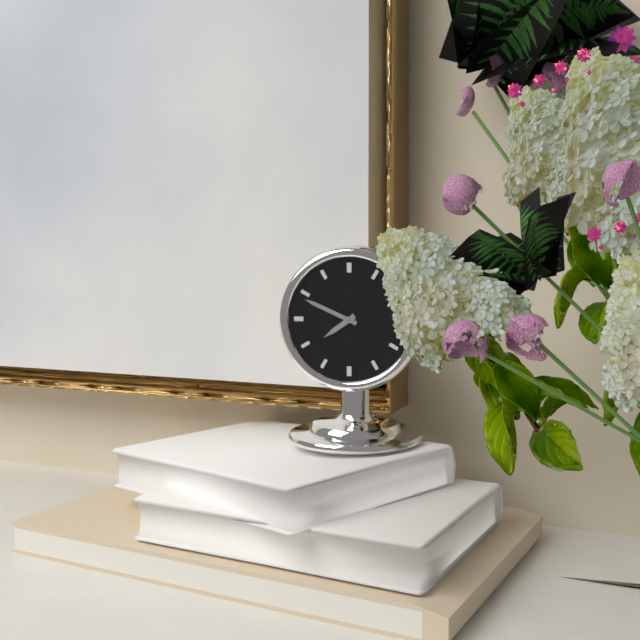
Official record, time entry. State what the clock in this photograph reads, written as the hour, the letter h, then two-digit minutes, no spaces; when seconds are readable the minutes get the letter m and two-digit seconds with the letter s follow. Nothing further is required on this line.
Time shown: 7h49
